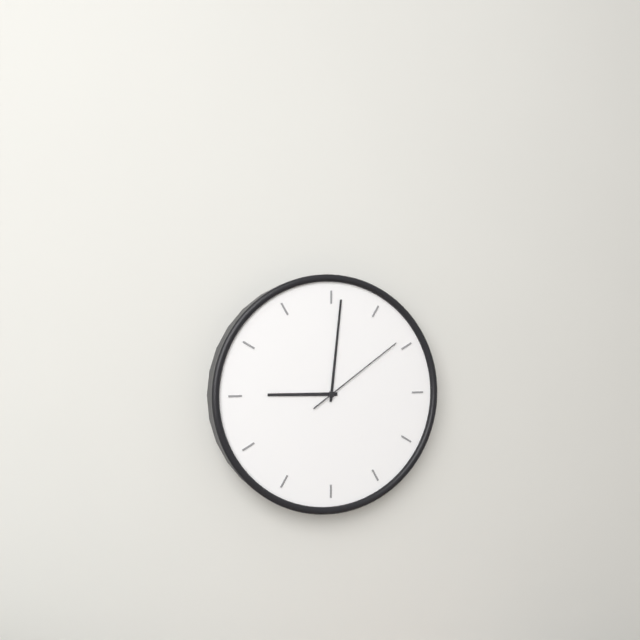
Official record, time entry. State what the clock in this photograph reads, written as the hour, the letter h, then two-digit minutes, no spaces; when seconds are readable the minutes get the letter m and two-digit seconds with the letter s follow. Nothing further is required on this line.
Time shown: 9h01m09s
